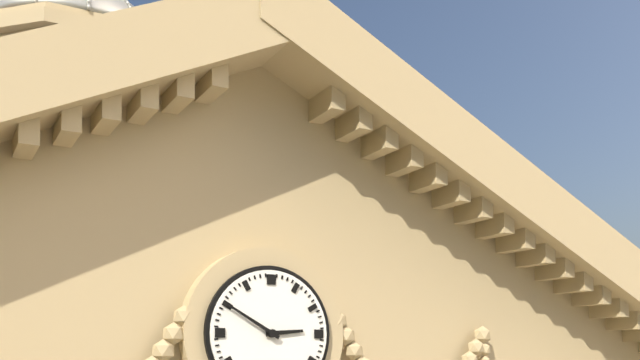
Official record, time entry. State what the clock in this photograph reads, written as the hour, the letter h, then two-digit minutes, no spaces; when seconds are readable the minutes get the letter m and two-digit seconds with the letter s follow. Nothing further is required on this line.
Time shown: 2h50
